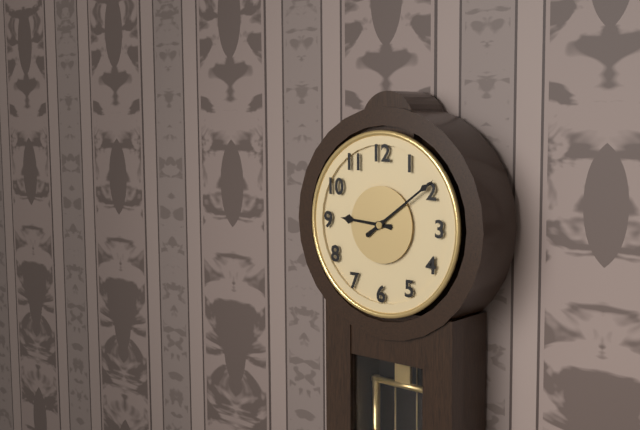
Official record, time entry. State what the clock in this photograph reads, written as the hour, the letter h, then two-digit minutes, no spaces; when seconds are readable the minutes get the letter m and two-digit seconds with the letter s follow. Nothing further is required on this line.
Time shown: 9h09
